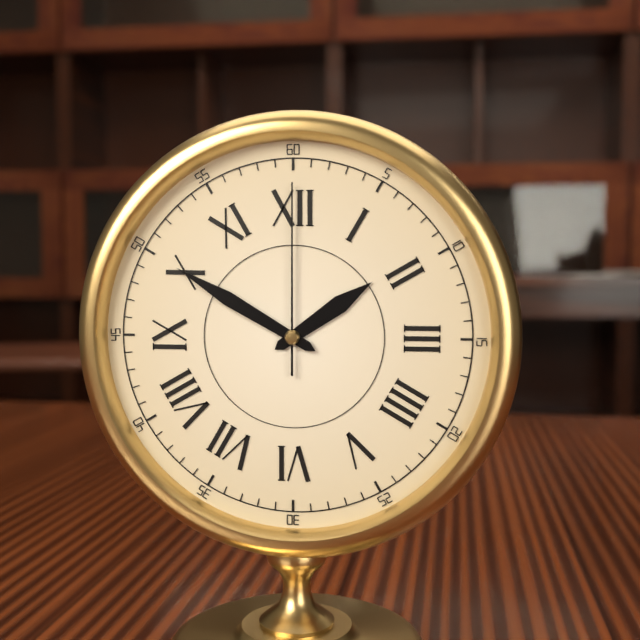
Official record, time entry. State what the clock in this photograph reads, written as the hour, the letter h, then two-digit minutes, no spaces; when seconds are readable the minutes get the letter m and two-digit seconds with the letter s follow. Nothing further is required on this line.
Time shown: 1h50m00s
